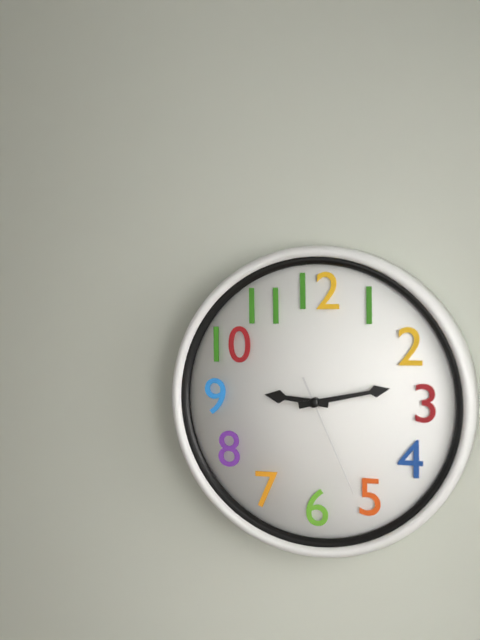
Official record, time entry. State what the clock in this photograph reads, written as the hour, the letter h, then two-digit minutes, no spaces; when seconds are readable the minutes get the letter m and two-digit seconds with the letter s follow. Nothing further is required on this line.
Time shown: 9h13m26s
